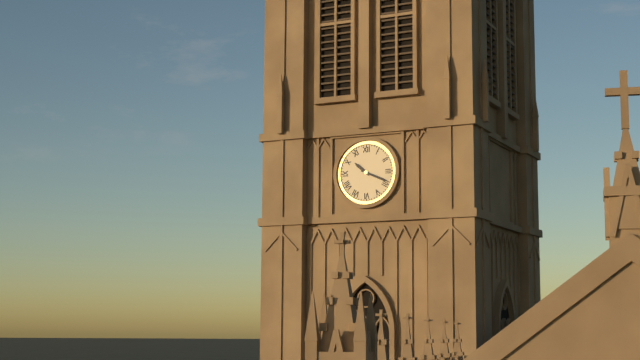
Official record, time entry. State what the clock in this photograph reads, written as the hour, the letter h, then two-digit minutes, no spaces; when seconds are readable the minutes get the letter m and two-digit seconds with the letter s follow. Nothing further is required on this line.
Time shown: 10h19
